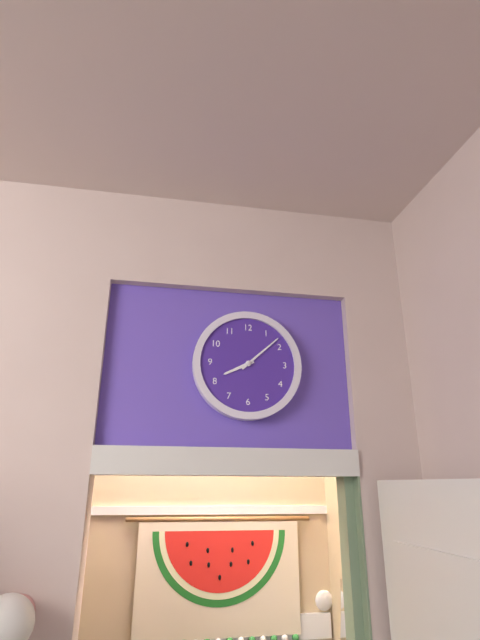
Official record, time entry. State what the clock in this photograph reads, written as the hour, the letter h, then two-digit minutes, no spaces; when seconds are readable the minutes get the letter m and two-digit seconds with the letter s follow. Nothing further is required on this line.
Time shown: 8h08
